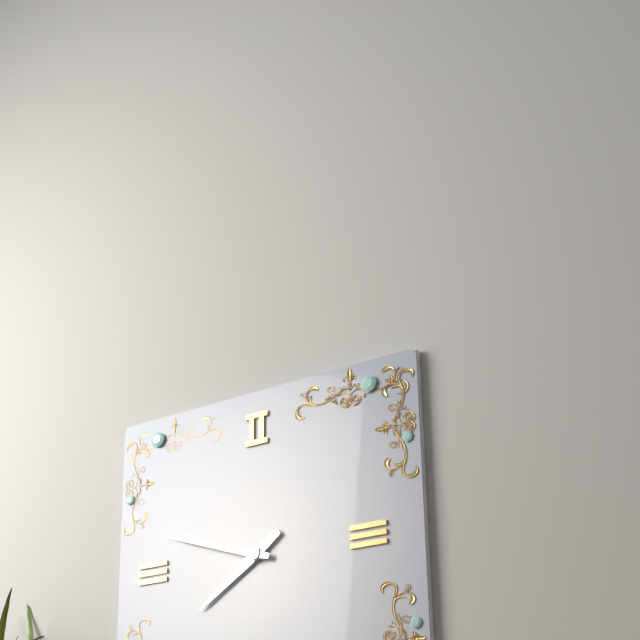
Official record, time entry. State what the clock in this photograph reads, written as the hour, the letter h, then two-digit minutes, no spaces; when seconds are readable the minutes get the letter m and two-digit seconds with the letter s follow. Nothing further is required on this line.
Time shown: 7h48
